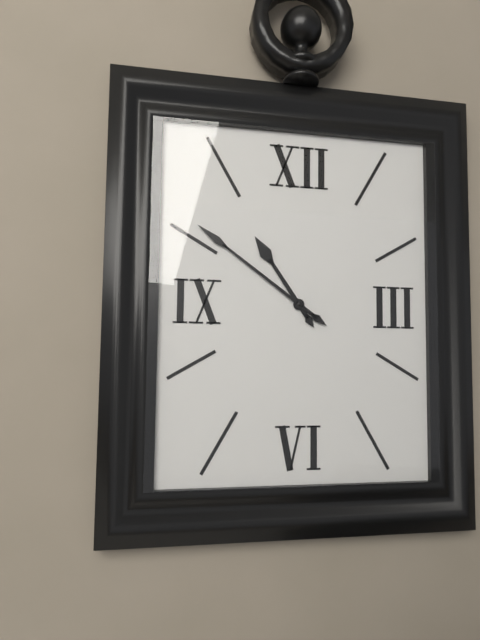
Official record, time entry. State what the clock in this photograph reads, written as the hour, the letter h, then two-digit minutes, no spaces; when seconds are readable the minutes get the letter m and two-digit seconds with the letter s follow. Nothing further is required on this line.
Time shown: 10h51
